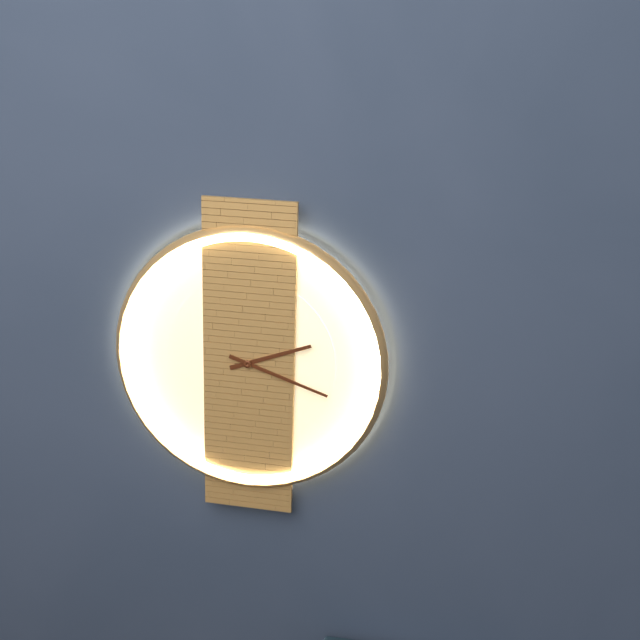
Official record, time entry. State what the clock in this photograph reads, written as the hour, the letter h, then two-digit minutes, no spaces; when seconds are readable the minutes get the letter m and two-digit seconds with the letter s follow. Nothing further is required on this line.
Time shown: 2h18
